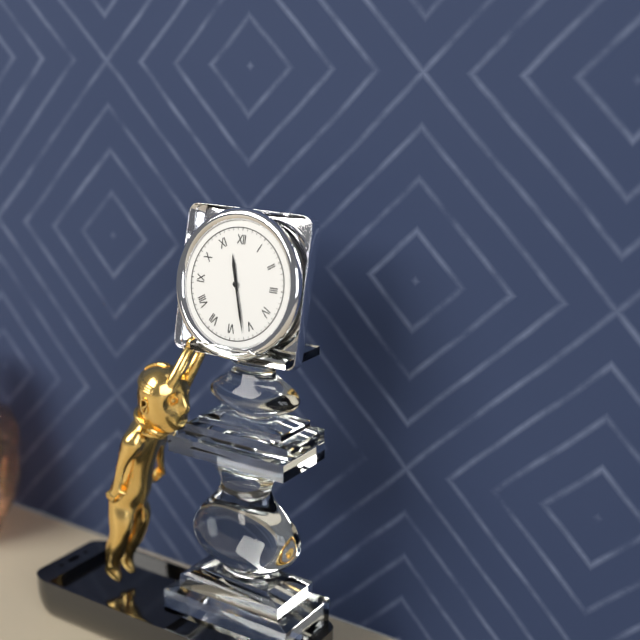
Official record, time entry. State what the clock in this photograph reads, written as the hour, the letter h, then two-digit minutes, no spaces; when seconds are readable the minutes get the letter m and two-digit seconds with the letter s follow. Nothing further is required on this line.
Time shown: 11h27
